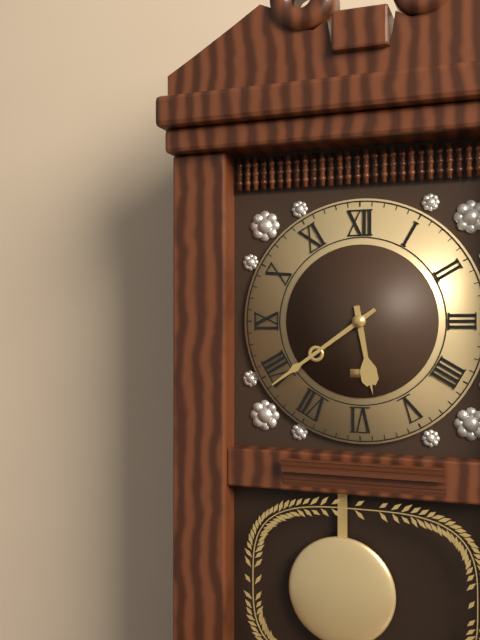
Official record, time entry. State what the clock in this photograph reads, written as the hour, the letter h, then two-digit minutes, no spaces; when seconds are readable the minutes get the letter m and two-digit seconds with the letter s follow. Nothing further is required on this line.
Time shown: 5h39
